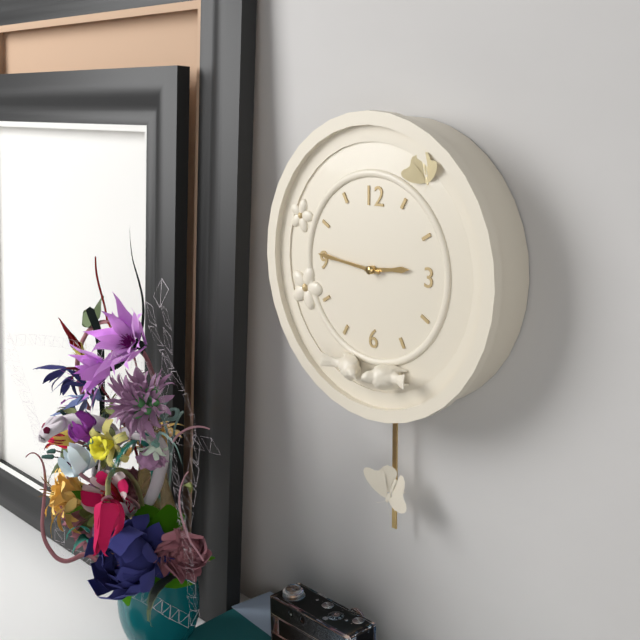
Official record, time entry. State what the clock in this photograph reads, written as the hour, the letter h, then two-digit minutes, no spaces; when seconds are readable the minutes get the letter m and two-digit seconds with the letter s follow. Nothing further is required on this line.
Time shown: 2h46
